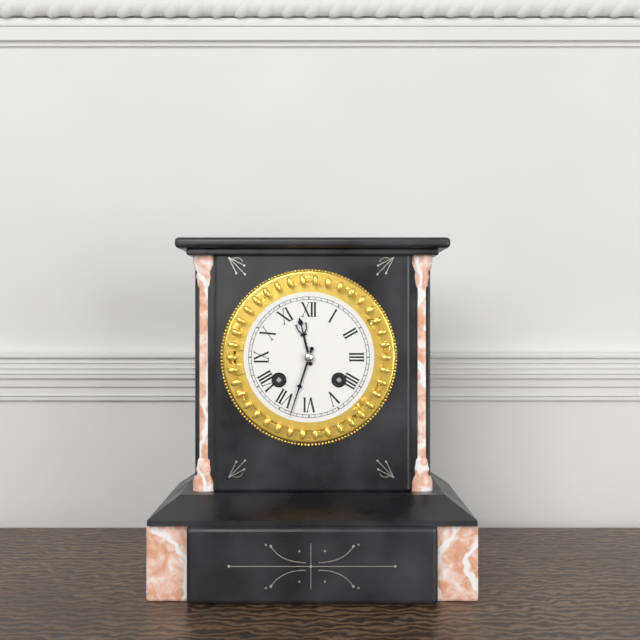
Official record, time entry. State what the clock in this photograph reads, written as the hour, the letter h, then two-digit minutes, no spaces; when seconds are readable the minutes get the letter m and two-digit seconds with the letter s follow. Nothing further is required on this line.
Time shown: 11h33
